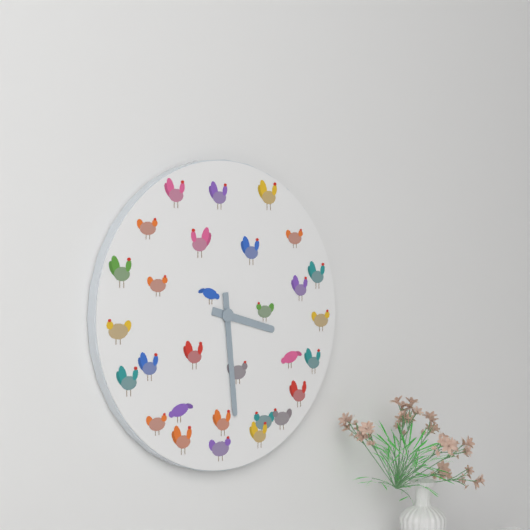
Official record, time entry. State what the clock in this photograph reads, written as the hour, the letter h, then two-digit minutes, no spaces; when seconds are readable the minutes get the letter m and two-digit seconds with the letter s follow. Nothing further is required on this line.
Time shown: 3h29
